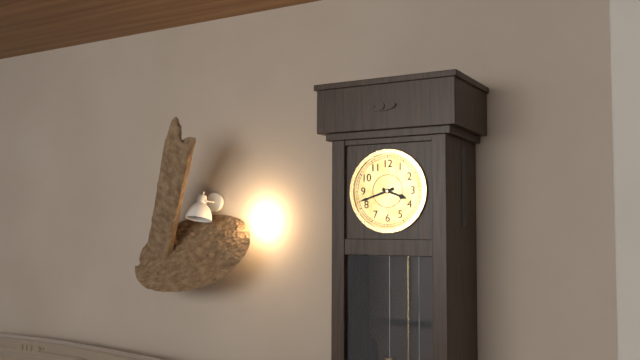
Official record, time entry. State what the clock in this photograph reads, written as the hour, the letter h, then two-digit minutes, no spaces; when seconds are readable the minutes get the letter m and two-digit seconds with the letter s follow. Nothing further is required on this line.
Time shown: 3h42
